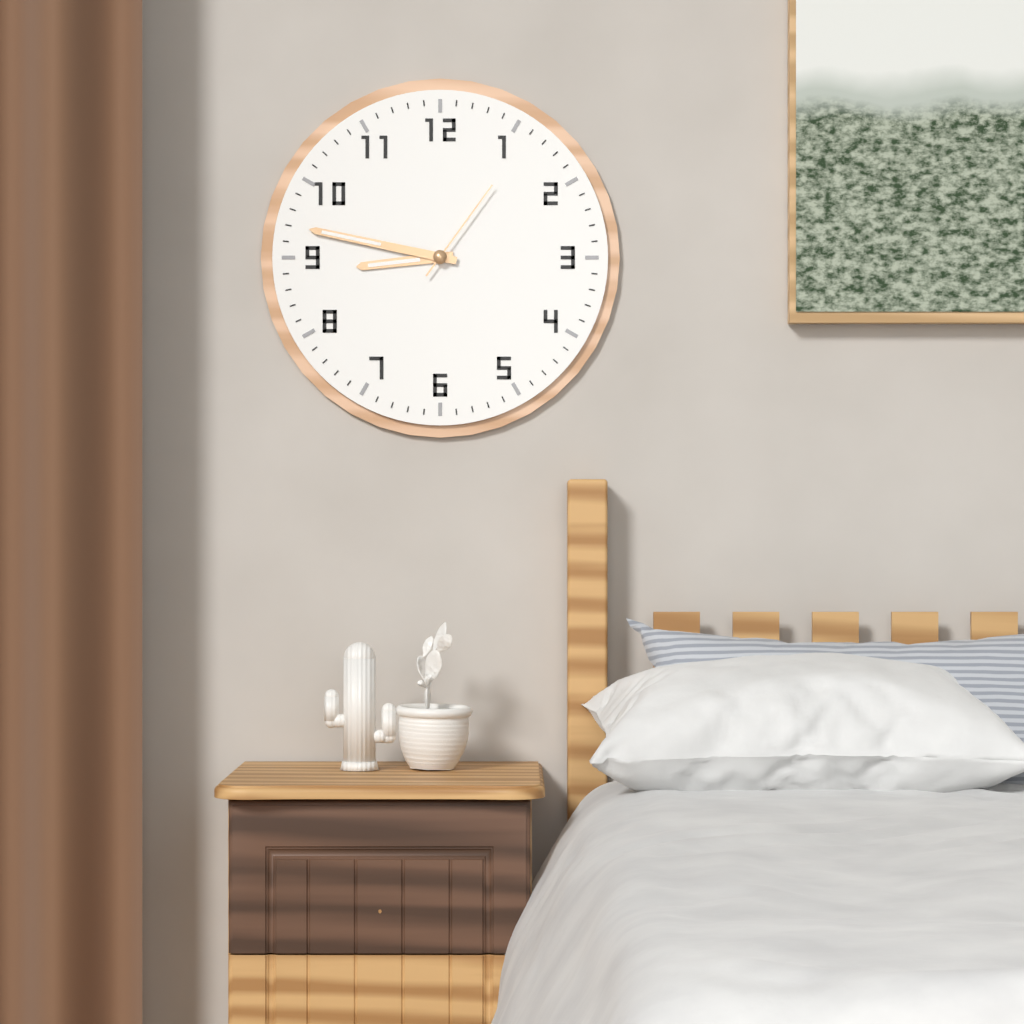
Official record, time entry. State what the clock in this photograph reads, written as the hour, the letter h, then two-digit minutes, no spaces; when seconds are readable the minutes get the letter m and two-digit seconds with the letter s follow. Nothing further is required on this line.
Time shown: 8h47m06s
